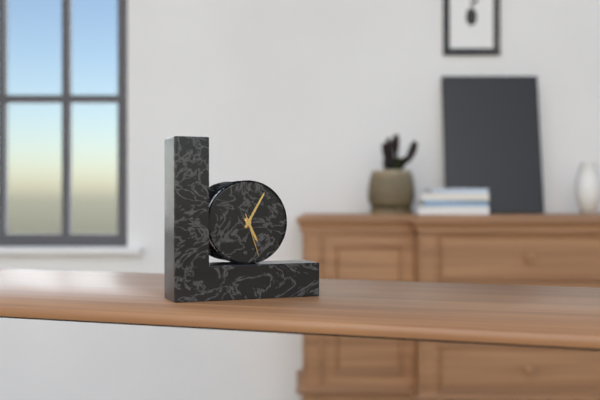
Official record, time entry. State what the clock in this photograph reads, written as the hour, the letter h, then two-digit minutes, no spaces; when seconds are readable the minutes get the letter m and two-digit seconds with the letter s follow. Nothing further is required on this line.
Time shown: 5h05
